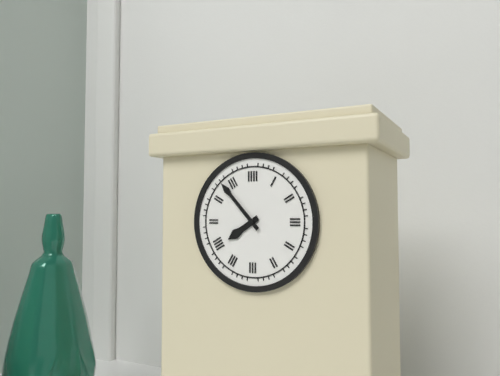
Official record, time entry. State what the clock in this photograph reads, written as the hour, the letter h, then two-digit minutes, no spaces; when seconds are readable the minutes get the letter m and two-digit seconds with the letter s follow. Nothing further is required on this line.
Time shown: 7h53
